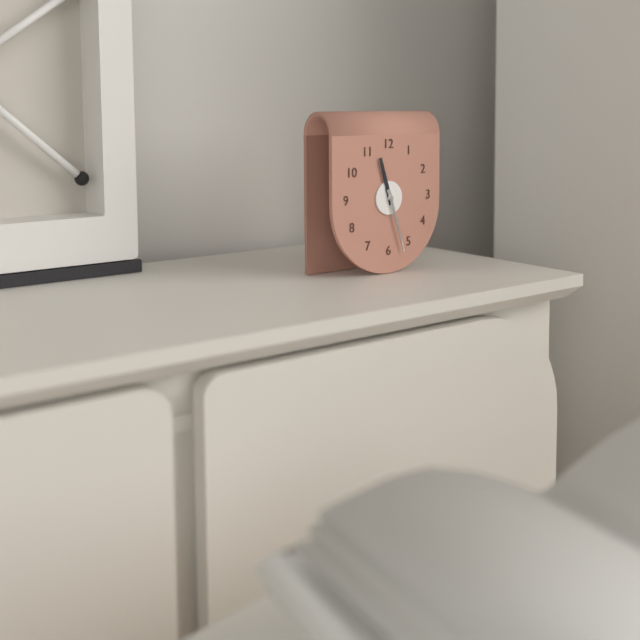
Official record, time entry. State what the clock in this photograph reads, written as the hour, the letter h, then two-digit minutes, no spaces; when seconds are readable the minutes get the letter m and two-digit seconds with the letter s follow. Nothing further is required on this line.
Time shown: 11h27
